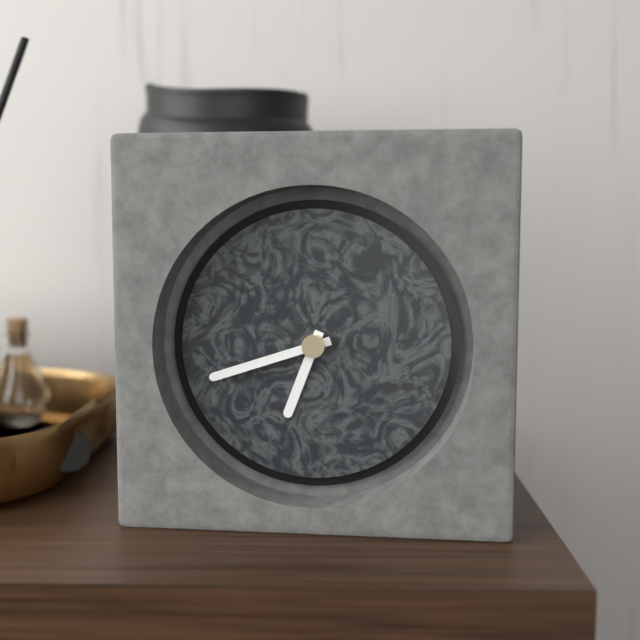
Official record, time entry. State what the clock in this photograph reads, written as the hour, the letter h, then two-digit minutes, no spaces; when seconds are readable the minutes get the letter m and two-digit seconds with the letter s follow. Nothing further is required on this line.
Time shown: 6h42
